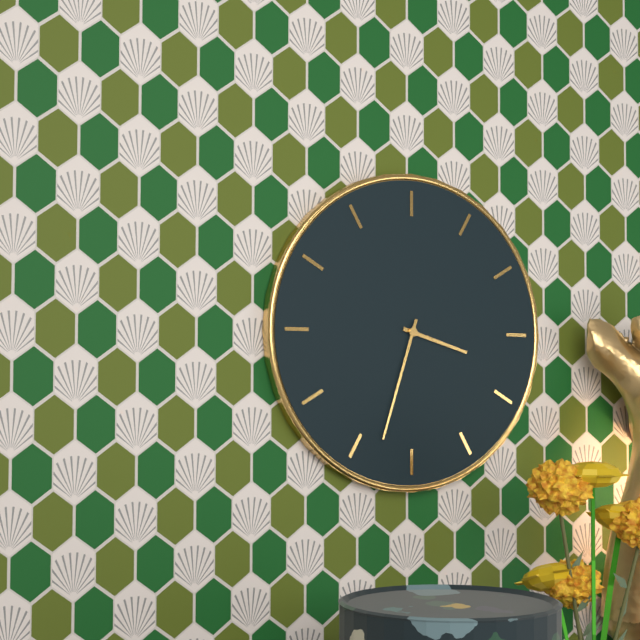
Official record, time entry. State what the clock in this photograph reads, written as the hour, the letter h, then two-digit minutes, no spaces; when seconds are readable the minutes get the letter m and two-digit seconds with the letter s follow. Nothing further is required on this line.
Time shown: 3h33
